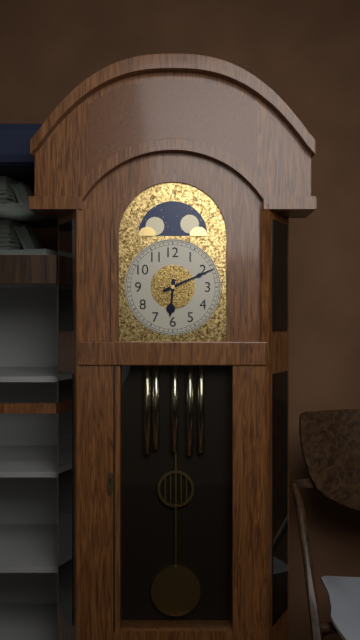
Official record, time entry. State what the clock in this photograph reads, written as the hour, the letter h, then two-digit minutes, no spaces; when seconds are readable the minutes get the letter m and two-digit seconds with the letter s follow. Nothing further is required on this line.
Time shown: 6h11
